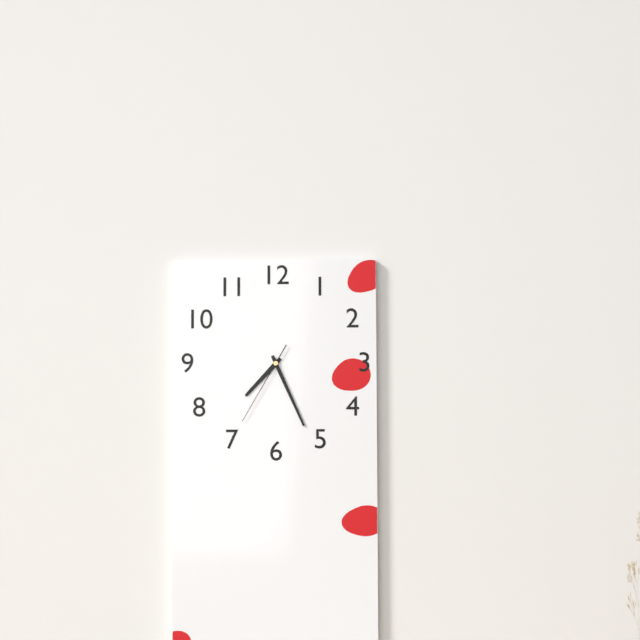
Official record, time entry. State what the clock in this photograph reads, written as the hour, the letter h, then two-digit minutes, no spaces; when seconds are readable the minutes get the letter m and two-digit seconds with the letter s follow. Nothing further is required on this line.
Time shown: 7h26m35s
